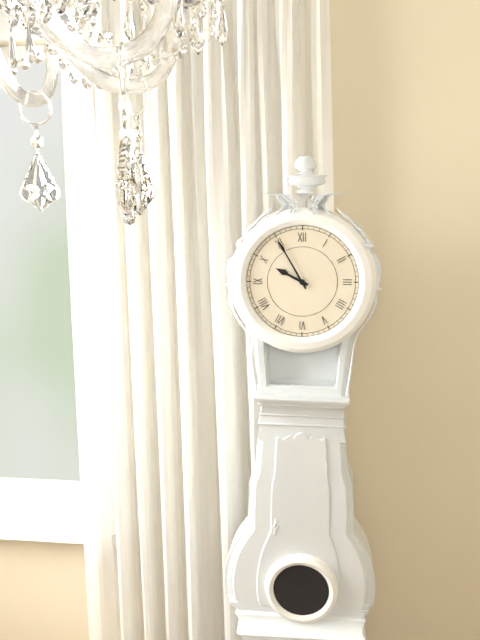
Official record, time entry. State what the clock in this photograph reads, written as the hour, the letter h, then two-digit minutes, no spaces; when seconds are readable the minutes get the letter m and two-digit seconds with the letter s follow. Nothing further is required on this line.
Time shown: 9h55
